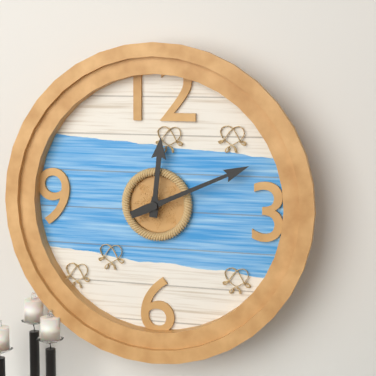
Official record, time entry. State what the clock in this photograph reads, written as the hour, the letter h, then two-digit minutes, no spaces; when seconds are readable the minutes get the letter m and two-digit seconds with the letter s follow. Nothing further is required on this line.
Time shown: 12h11
